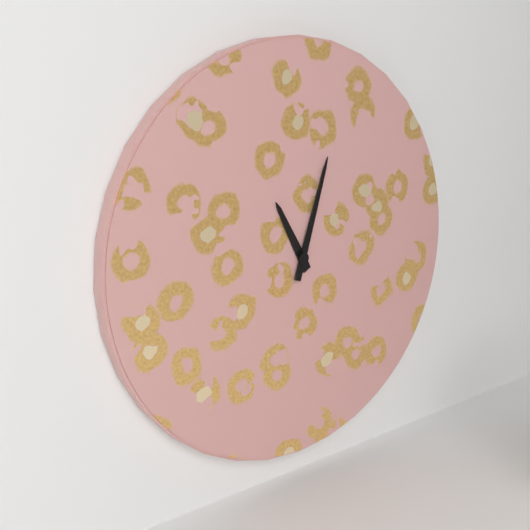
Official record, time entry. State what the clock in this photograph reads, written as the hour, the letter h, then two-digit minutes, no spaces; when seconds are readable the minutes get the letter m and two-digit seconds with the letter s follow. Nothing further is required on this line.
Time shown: 11h03
